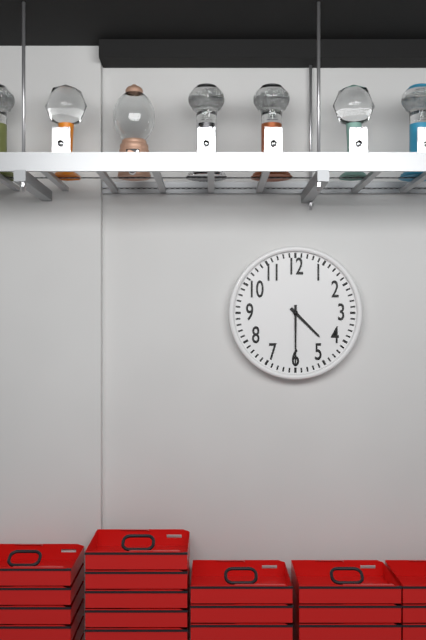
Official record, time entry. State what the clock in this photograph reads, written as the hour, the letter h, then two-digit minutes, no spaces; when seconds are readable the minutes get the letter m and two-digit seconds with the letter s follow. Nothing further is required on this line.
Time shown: 4h30
